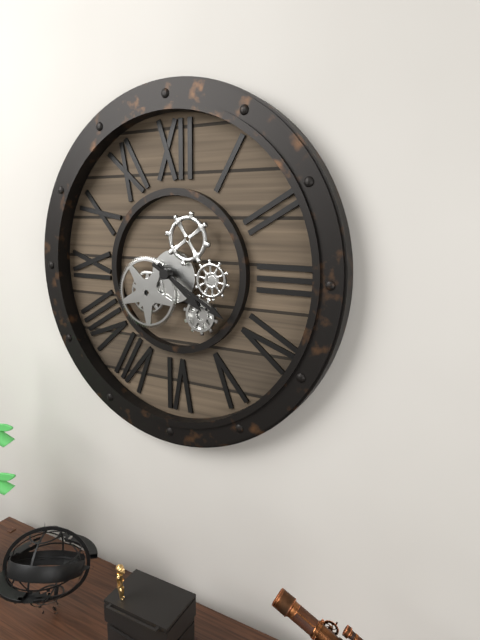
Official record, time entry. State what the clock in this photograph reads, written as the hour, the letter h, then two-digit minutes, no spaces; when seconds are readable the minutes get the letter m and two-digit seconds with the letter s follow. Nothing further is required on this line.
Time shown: 4h20
